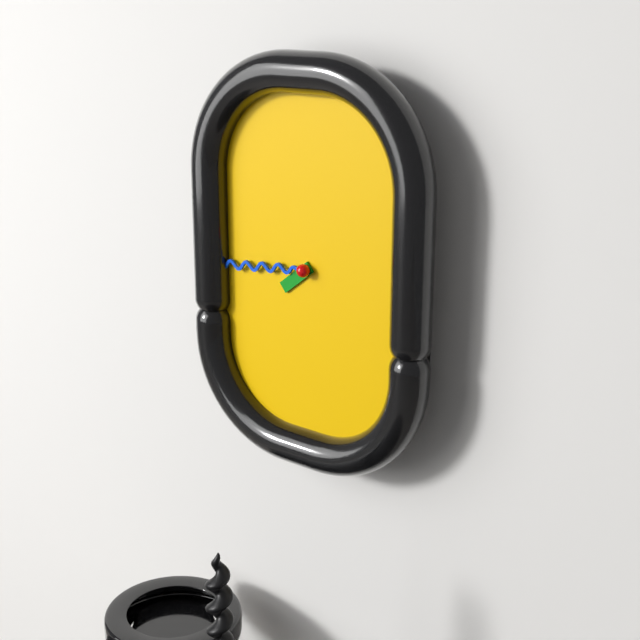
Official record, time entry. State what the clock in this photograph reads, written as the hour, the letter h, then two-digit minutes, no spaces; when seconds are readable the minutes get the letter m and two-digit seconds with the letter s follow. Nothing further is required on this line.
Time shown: 7h44
